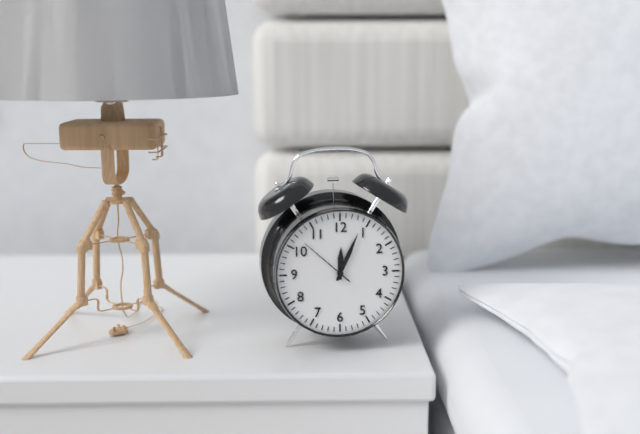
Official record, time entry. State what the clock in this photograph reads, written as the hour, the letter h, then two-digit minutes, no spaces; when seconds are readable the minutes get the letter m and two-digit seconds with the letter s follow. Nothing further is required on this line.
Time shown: 12h04
